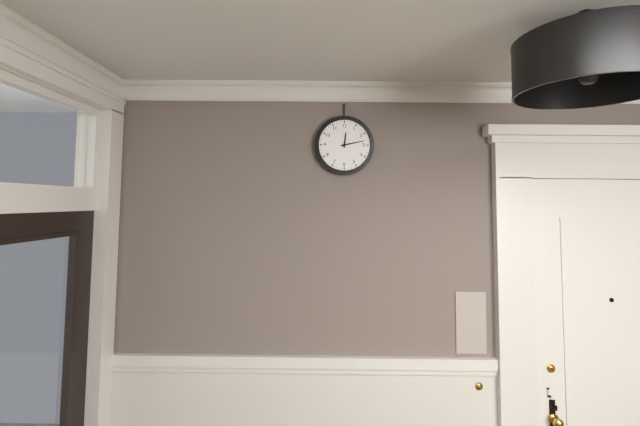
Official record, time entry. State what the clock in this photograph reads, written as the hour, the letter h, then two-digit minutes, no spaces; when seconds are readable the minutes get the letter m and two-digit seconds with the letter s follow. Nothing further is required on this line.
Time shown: 12h13
